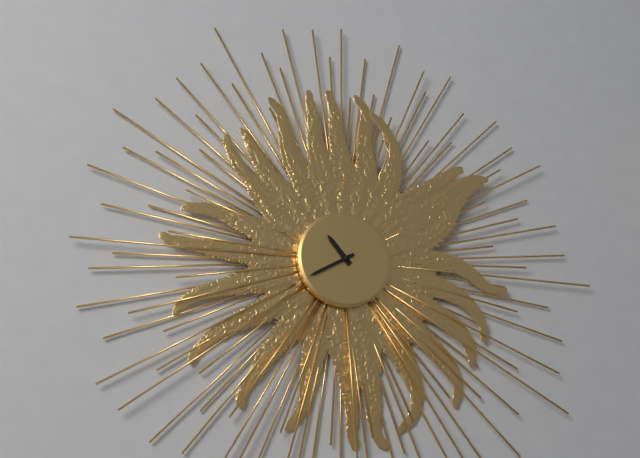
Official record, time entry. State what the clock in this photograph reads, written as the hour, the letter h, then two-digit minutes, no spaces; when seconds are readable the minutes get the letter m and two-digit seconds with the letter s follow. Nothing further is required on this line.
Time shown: 10h40
